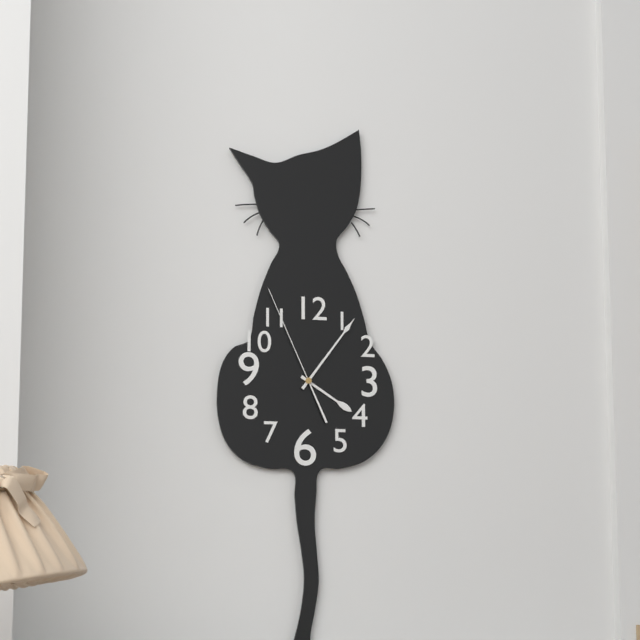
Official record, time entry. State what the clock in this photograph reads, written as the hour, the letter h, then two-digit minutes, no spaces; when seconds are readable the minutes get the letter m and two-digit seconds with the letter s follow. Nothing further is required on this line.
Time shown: 4h06m56s
